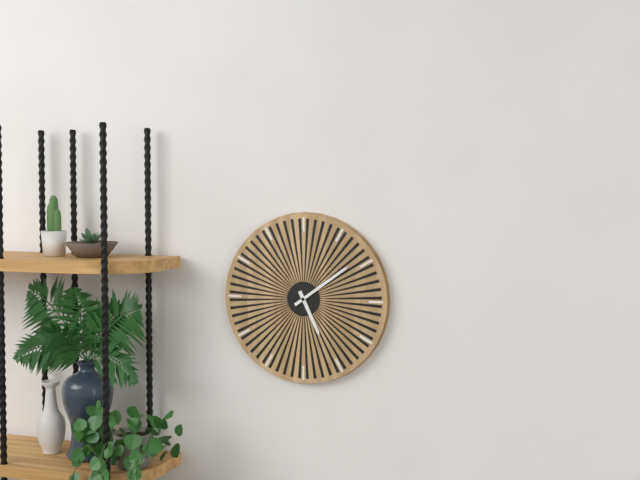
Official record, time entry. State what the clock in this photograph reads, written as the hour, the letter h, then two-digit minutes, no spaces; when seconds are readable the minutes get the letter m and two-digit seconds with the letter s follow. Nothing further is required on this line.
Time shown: 5h09
